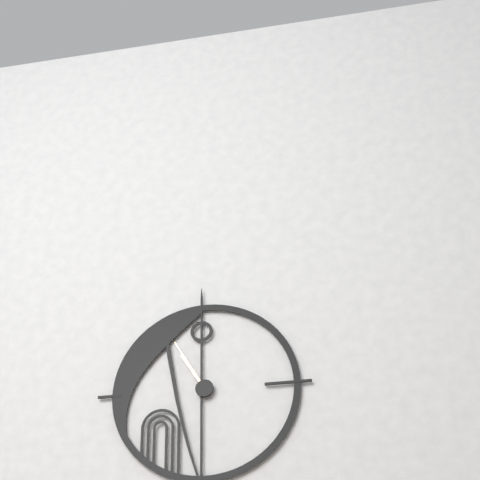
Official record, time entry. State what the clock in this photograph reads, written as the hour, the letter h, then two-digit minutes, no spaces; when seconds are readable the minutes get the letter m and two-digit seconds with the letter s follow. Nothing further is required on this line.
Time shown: 10h55
